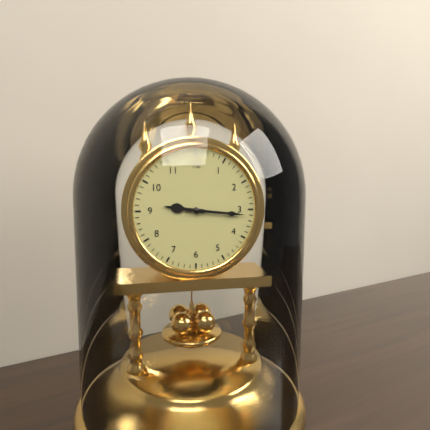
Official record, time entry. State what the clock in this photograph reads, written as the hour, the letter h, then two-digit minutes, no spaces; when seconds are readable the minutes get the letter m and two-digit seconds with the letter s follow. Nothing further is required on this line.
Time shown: 9h16
